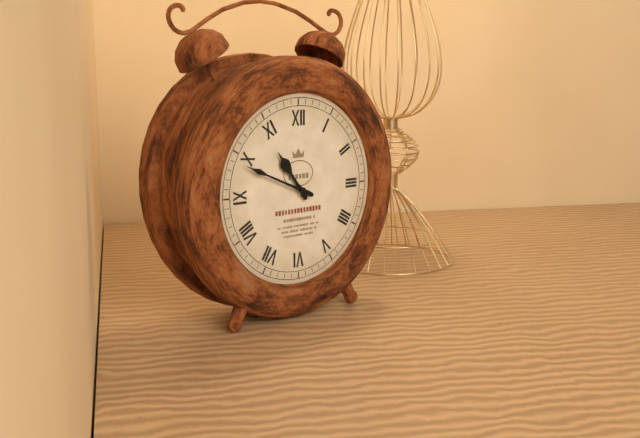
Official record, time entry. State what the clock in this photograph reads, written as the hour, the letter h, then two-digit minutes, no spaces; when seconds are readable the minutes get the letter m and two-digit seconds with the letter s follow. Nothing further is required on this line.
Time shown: 10h49
